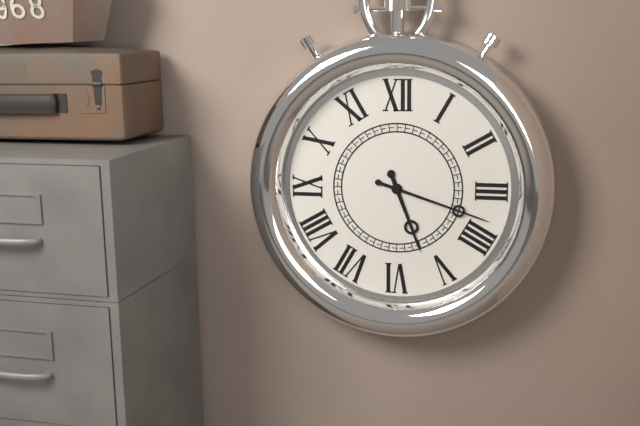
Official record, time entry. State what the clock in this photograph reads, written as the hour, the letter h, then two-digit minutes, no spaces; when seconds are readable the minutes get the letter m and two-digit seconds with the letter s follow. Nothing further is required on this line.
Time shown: 5h18
